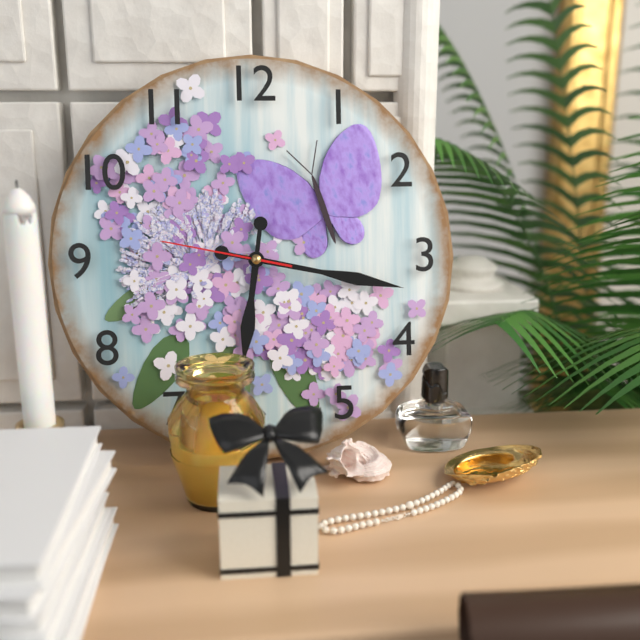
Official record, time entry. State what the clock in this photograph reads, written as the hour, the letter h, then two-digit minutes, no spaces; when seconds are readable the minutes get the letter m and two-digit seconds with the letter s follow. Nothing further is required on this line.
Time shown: 6h17m47s
